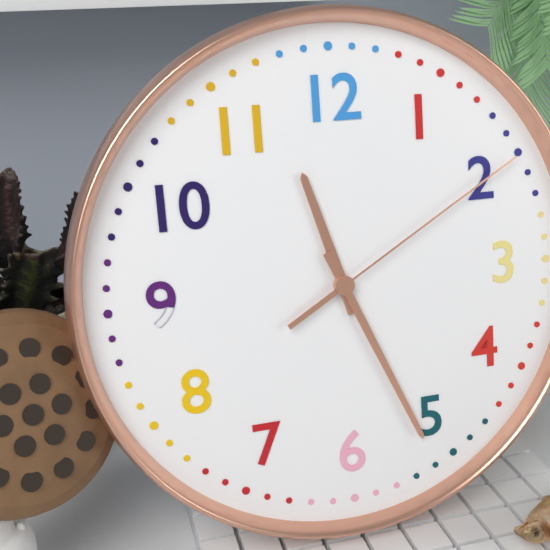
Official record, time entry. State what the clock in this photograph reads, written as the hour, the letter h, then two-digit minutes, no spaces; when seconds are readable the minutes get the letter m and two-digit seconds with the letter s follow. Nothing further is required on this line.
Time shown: 11h26m10s
